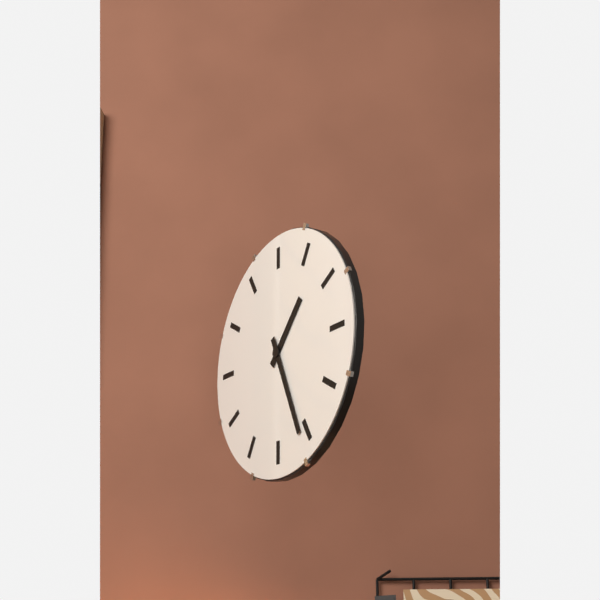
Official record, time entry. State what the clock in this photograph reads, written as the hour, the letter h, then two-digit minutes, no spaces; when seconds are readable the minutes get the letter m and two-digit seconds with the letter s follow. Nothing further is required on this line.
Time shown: 1h26
